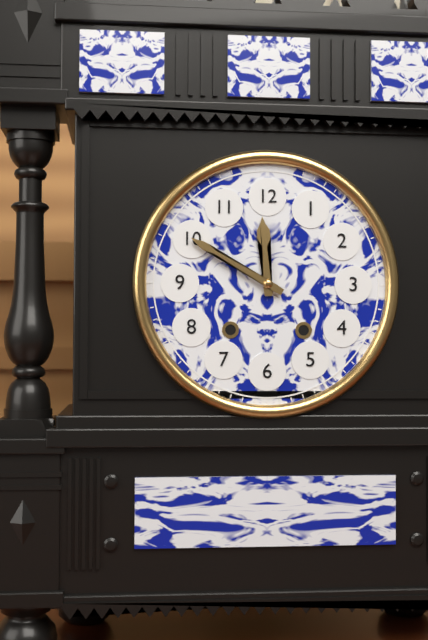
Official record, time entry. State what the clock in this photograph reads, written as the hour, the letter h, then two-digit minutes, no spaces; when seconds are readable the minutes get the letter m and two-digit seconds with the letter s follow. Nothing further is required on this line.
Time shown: 11h50
